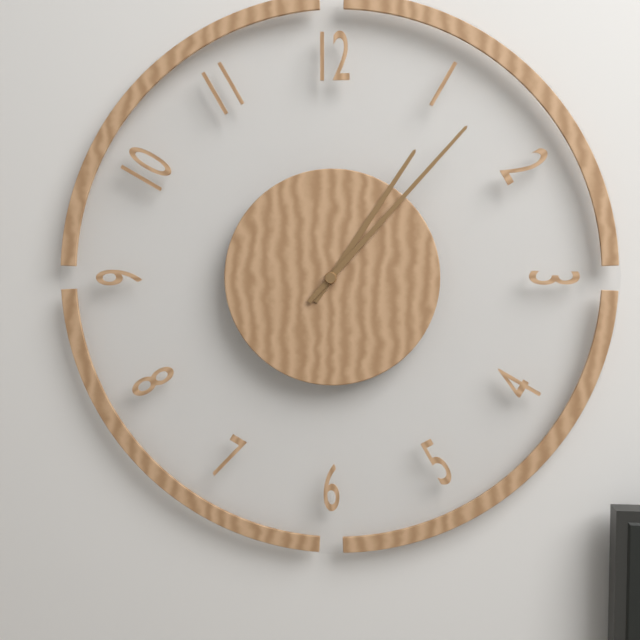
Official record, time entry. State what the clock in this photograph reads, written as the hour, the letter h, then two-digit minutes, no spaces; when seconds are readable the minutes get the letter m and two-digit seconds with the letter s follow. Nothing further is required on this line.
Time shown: 1h07
